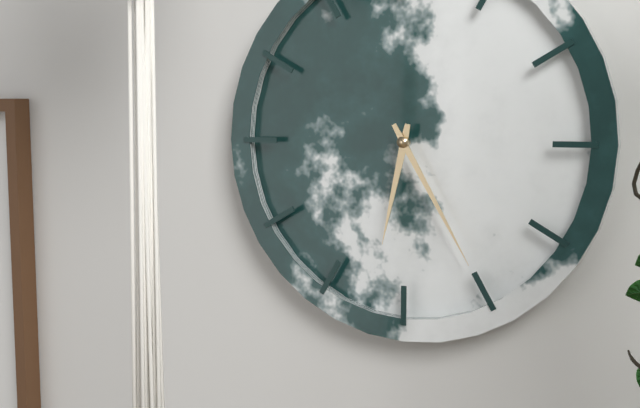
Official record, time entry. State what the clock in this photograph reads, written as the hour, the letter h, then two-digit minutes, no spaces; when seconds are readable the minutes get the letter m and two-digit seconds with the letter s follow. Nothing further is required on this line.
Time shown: 6h25
